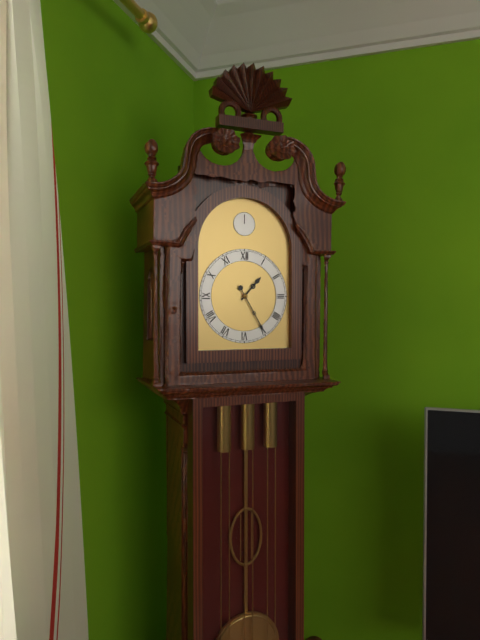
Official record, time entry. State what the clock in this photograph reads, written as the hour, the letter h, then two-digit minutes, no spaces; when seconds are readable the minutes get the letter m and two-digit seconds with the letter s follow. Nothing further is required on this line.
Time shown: 1h25
